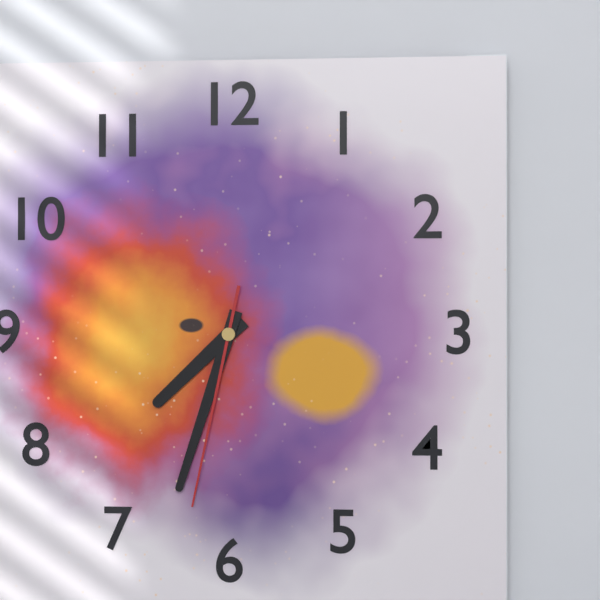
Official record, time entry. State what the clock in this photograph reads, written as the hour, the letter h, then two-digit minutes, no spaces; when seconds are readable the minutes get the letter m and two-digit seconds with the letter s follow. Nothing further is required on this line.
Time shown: 7h33m32s
